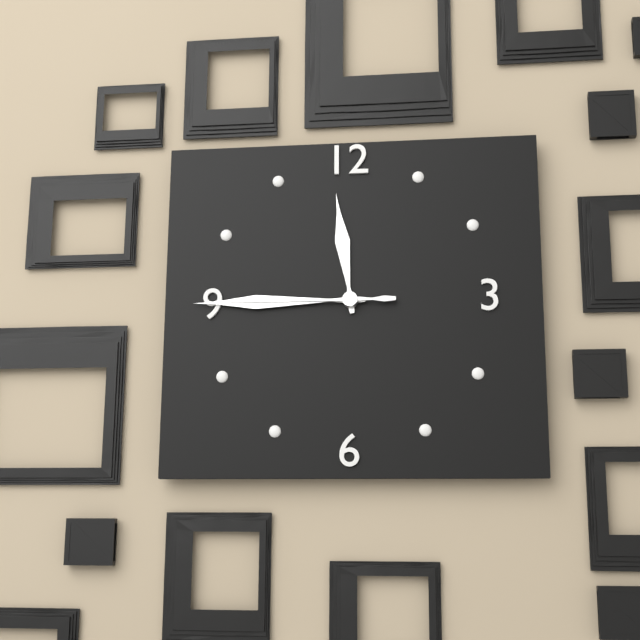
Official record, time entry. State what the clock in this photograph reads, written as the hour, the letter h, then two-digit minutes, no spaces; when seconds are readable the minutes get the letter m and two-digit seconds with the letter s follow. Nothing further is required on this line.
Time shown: 11h45m45s
